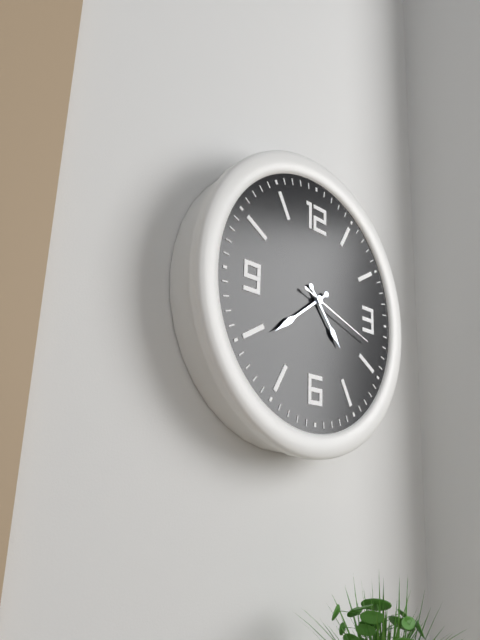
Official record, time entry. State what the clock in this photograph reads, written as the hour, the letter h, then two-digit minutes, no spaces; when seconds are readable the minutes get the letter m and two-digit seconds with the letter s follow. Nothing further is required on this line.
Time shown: 4h39m18s
